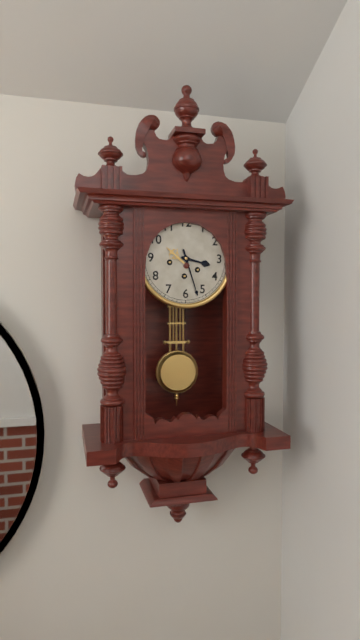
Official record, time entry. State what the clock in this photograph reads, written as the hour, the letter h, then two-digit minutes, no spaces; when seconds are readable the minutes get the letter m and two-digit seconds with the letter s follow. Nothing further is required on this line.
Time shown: 3h27
